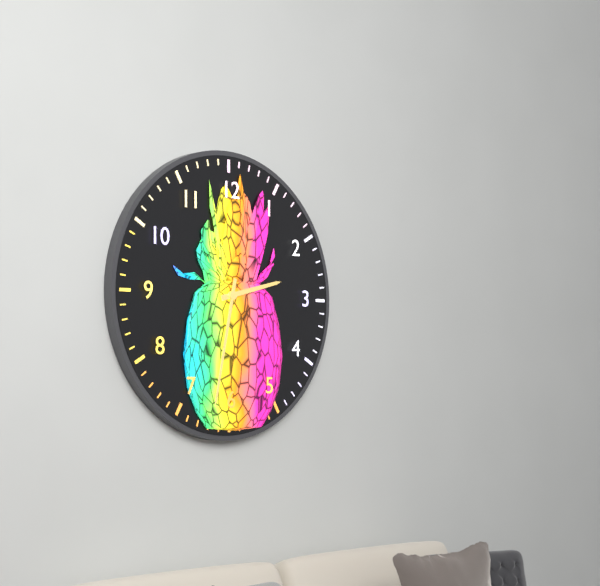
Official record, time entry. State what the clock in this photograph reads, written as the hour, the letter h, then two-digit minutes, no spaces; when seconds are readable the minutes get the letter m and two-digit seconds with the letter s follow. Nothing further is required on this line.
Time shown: 2h32
